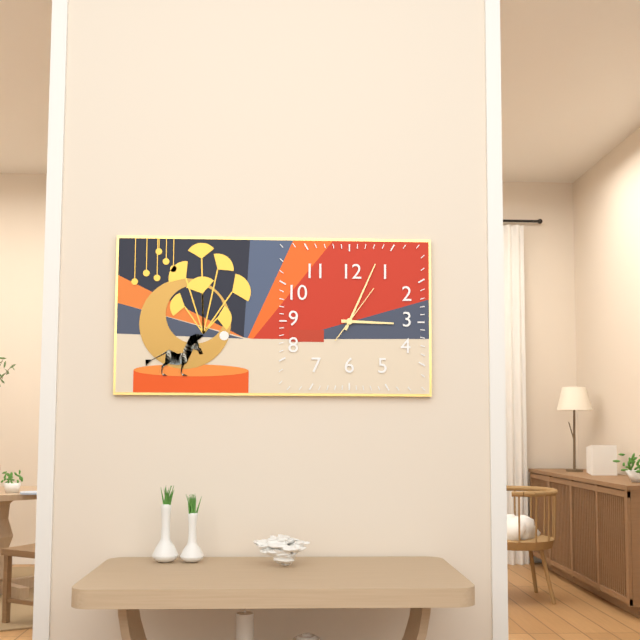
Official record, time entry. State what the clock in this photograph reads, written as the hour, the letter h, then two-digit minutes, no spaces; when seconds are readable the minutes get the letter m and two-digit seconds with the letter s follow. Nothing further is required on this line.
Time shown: 3h04m06s
